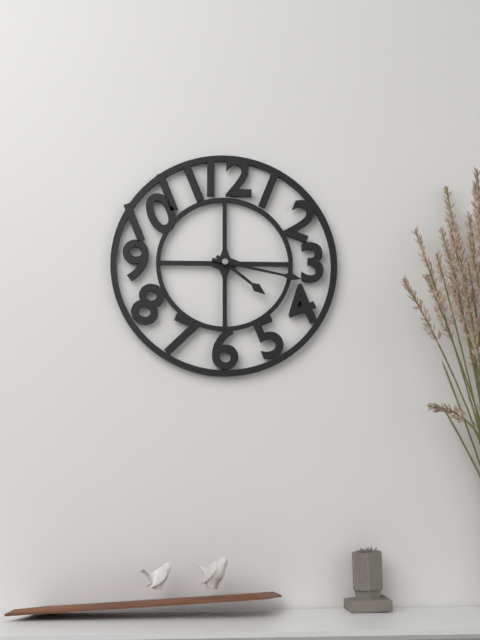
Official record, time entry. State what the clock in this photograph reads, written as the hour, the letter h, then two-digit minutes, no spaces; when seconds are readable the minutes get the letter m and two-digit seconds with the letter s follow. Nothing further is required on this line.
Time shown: 4h17
